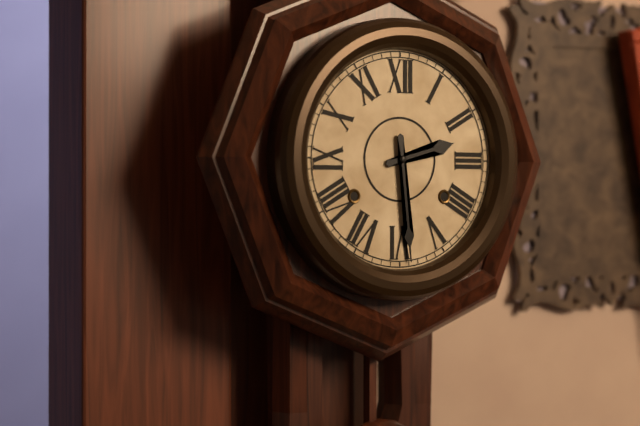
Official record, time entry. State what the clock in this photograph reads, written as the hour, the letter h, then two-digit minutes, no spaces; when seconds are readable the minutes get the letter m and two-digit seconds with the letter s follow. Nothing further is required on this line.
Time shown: 2h29
